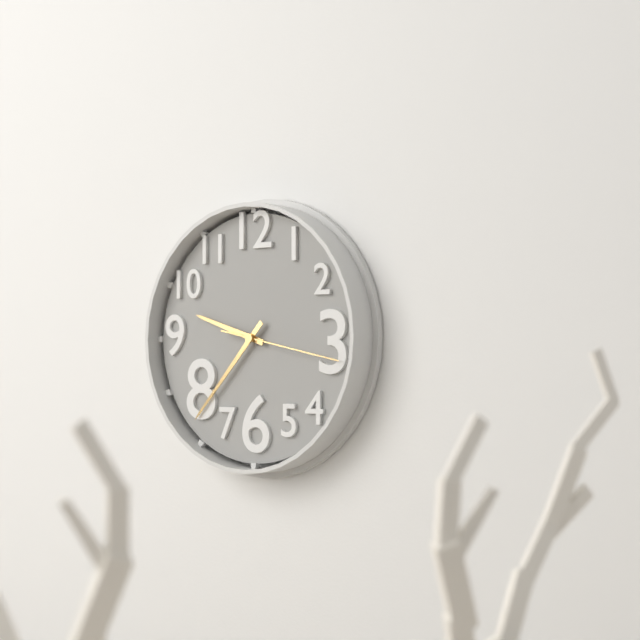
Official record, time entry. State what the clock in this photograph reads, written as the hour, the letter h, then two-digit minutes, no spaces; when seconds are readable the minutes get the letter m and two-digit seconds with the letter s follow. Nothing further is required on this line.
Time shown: 9h37m17s
